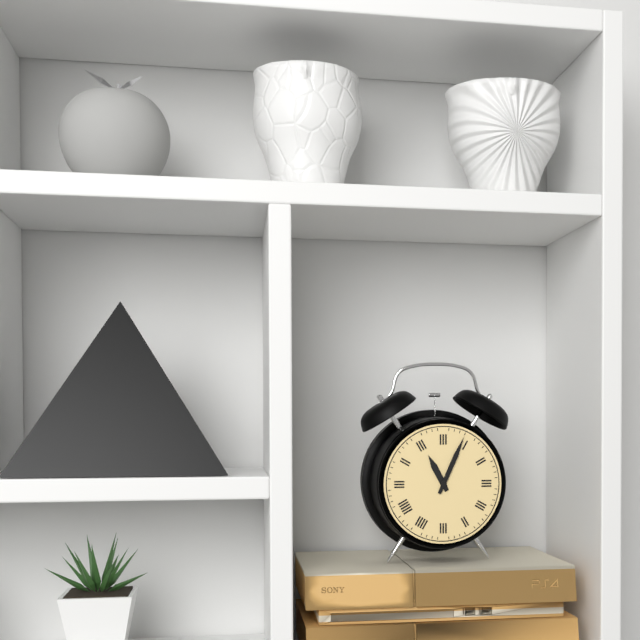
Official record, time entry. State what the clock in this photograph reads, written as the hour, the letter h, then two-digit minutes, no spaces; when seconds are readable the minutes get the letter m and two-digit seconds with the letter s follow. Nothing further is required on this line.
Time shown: 11h04
